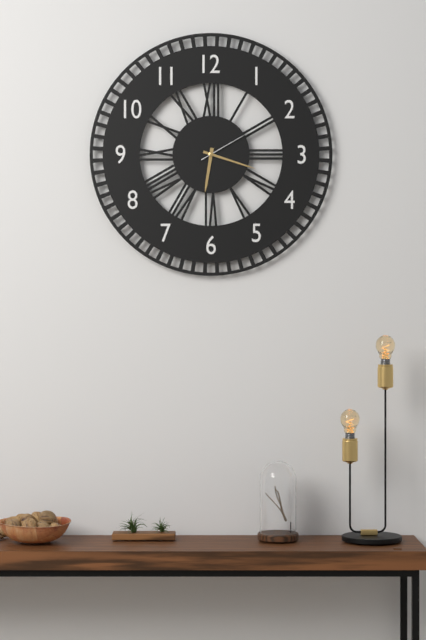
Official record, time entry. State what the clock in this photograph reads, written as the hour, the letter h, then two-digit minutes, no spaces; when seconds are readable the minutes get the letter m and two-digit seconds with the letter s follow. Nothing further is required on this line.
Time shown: 6h18m10s
